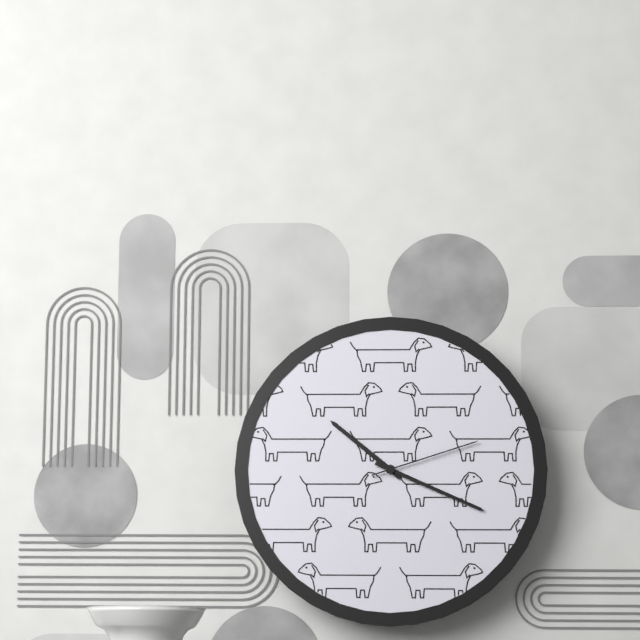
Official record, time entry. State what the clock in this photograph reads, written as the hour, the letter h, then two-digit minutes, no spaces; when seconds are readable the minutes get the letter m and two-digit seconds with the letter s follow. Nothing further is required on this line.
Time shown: 10h19m12s
